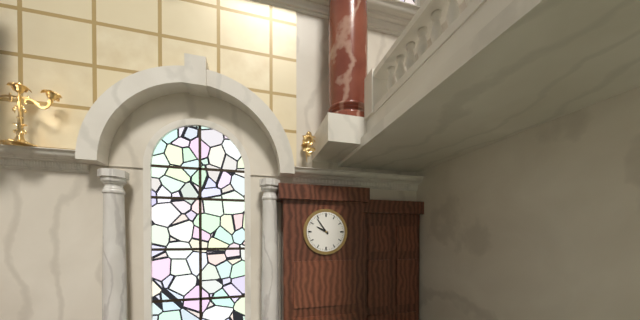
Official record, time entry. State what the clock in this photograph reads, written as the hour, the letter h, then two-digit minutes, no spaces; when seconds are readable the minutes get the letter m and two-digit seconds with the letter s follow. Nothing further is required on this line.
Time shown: 9h54
